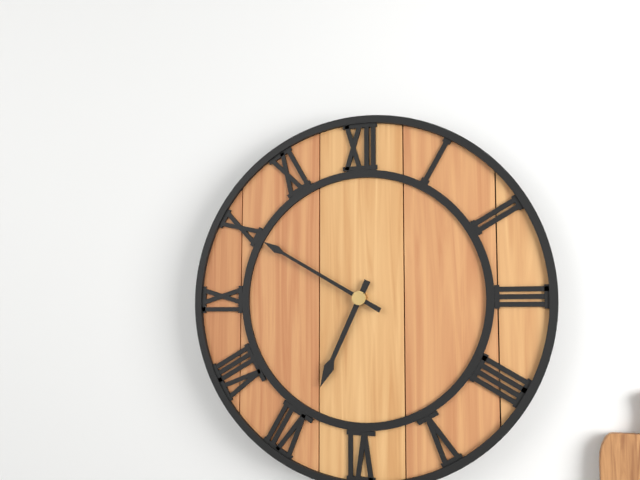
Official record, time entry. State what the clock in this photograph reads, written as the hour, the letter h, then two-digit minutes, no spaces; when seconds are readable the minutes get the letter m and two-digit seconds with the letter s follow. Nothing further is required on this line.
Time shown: 6h50
